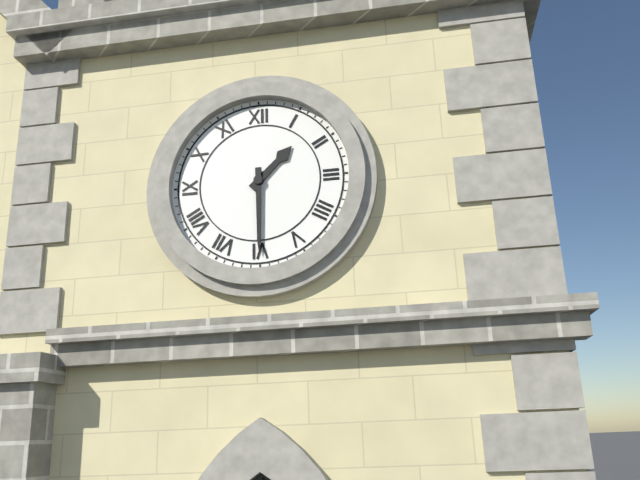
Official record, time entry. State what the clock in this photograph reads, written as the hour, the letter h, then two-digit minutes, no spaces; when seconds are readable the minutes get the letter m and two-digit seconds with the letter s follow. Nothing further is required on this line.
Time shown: 1h30
